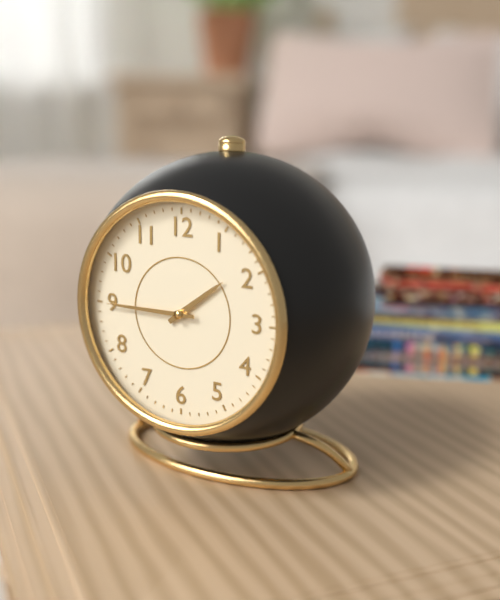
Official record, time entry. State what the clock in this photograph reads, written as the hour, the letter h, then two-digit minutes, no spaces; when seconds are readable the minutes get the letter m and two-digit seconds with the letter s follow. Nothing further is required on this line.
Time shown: 1h45
